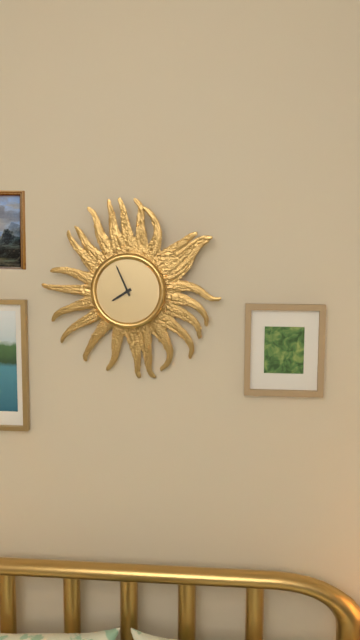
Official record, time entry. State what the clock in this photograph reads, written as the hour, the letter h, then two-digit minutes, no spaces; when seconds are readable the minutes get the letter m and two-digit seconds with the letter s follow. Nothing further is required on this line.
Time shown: 7h56
